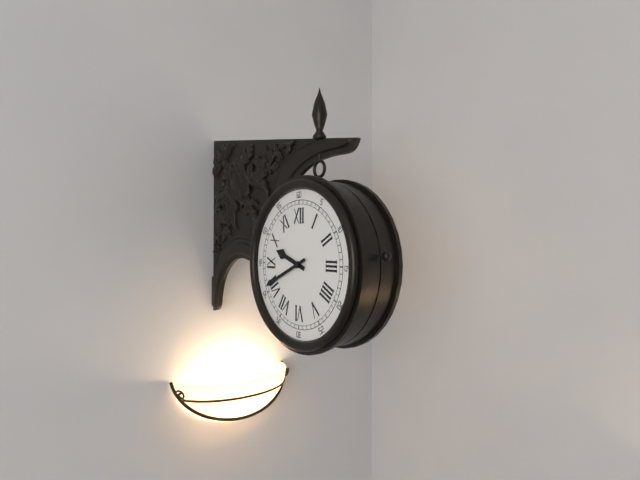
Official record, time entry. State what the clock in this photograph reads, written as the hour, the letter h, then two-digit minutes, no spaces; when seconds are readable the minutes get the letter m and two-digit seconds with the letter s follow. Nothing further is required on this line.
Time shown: 9h41
